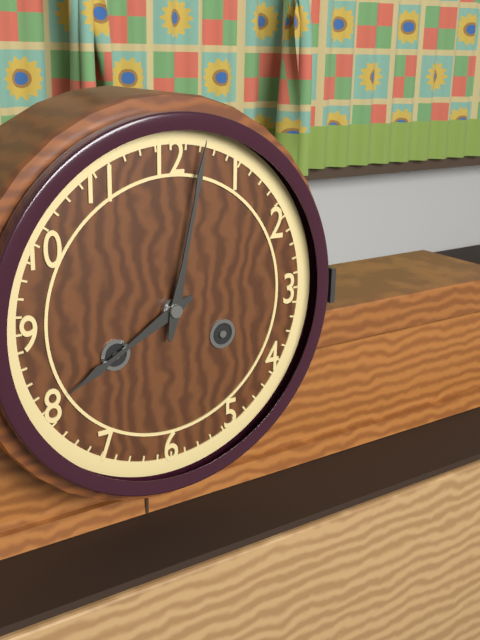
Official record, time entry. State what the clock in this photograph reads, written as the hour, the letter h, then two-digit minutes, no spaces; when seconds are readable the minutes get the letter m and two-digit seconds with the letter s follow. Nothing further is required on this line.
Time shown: 8h02
